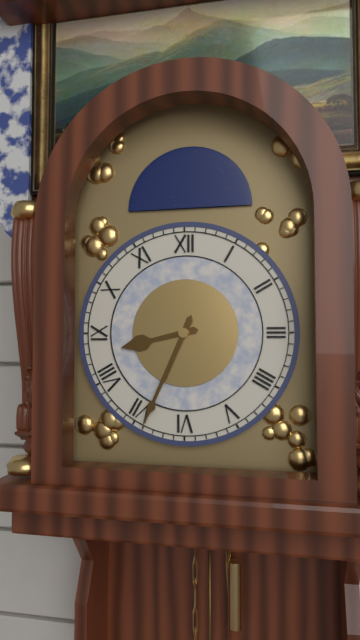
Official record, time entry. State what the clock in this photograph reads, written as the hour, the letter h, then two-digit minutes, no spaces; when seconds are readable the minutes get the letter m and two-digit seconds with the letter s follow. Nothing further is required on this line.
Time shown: 8h34
